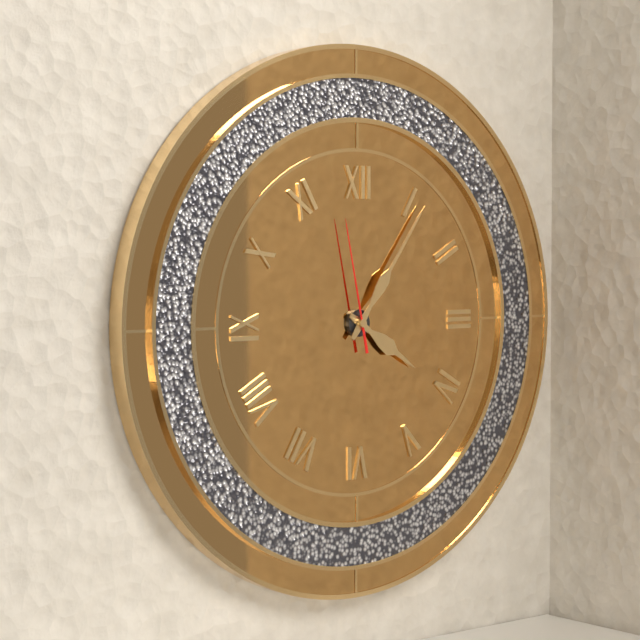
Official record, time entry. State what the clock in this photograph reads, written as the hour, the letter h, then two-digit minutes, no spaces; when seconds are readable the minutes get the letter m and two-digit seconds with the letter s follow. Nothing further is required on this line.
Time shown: 4h06m58s
